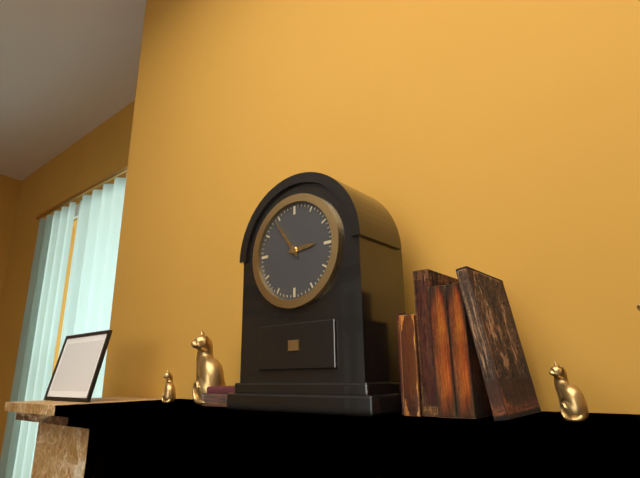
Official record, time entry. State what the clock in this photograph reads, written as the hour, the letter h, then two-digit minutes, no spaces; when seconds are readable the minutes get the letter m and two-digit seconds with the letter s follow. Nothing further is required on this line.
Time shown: 2h54
